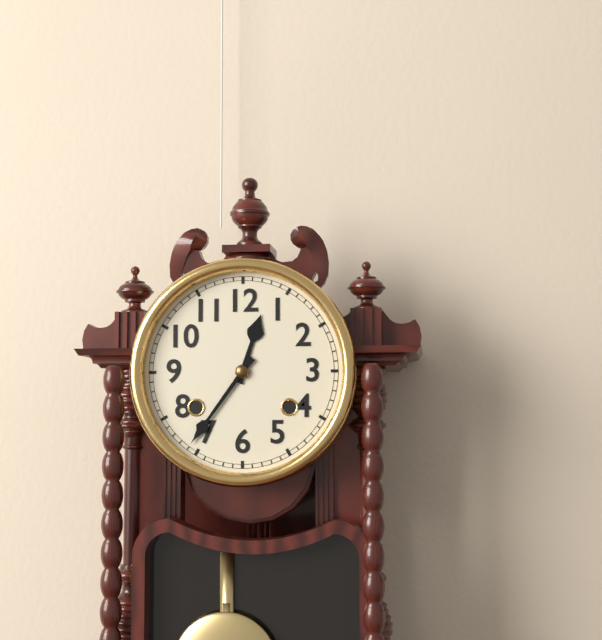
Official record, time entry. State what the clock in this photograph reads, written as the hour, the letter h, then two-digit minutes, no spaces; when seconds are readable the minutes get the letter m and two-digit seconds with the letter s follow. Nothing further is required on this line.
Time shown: 12h36
